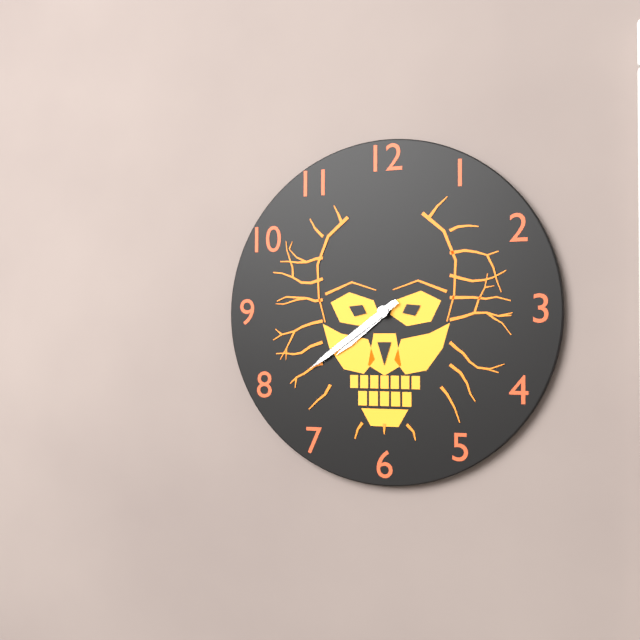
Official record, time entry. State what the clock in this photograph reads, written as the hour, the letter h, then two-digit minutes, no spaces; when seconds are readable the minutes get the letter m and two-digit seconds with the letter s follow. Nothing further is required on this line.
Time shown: 7h39
